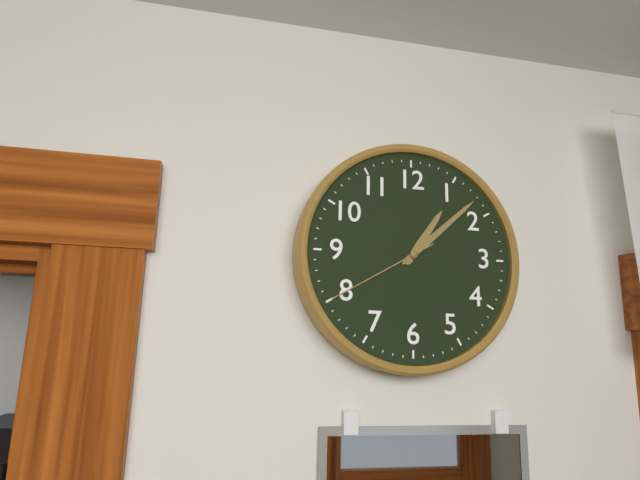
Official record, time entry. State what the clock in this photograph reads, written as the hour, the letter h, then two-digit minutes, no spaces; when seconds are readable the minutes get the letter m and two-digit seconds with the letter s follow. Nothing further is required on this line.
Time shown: 1h08m40s
